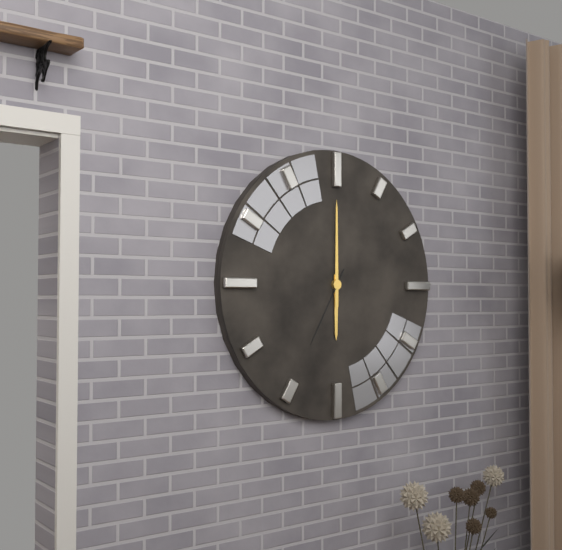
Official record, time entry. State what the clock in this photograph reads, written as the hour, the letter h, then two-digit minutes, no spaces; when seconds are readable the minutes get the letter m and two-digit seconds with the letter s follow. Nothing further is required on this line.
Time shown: 6h00m35s
